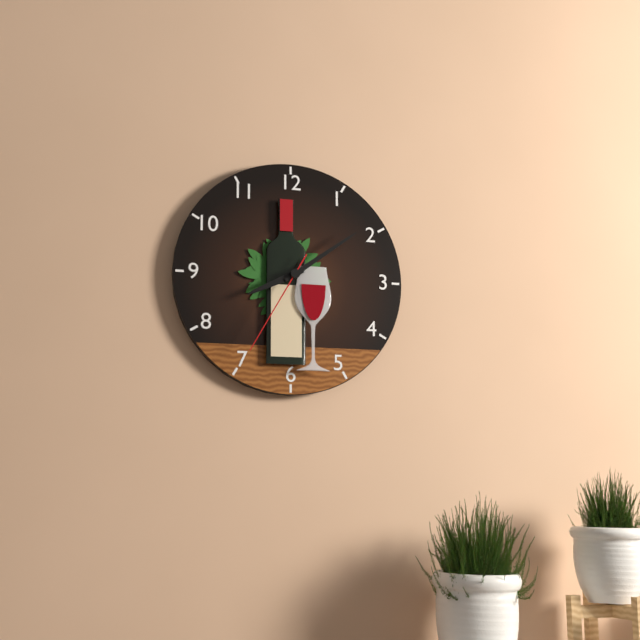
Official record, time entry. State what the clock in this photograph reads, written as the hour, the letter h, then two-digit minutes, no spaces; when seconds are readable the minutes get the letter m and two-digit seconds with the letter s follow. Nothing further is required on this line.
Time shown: 8h09m35s
